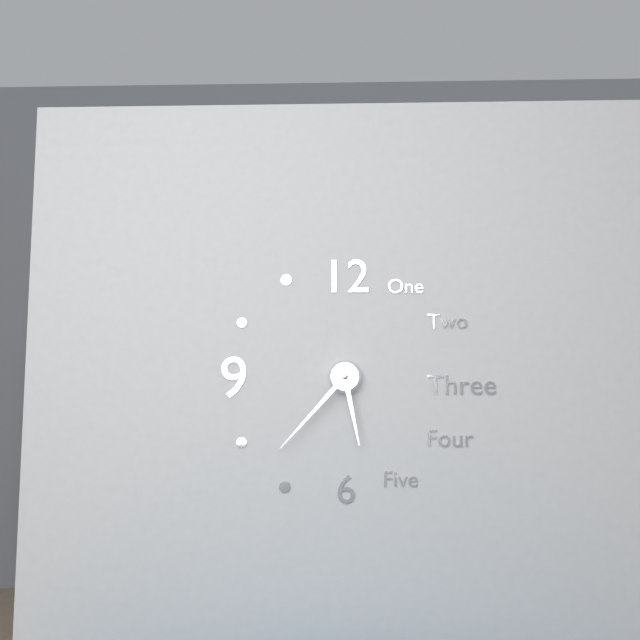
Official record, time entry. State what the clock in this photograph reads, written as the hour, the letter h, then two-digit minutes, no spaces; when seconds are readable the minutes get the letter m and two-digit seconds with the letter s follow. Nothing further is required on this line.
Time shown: 5h37
